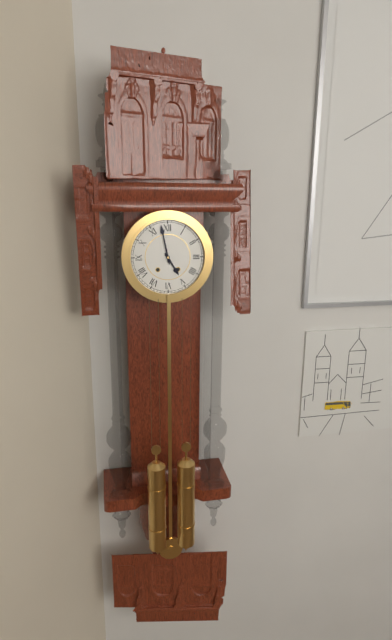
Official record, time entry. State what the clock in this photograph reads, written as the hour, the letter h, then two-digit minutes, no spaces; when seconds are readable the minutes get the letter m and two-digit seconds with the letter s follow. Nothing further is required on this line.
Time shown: 4h58
